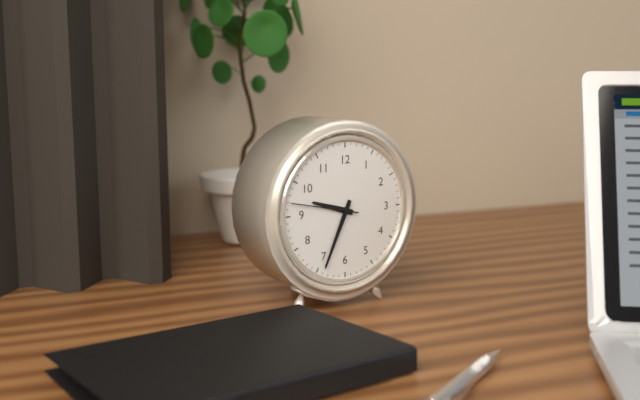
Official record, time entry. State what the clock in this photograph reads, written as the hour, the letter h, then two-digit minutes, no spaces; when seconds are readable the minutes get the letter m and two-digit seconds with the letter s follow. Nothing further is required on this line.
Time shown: 9h34m47s
